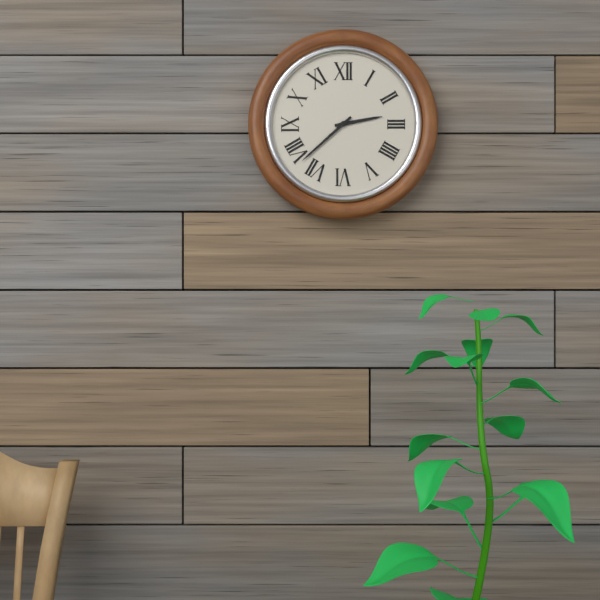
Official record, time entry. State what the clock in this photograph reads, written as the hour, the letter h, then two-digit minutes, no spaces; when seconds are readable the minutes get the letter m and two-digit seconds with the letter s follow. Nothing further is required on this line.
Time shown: 2h38
